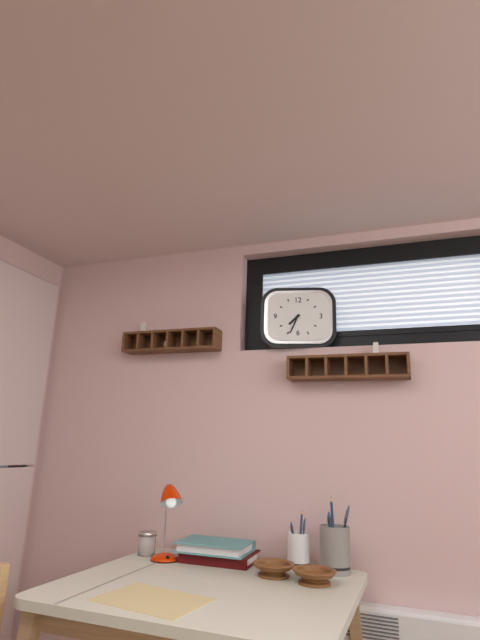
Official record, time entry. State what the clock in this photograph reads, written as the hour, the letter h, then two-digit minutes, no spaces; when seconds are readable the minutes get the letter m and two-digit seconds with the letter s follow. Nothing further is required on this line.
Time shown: 7h34
